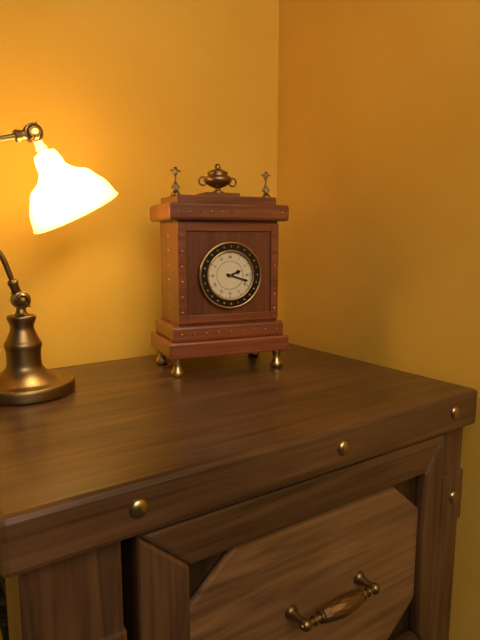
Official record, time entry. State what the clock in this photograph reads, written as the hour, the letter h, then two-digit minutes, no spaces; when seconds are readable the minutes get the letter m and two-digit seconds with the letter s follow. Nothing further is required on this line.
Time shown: 2h18
